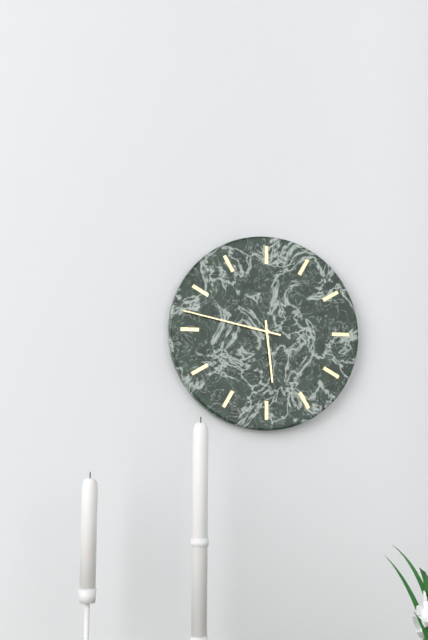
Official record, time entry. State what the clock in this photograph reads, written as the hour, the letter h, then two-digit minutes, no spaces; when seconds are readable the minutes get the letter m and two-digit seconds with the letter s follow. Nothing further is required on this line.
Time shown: 5h47
